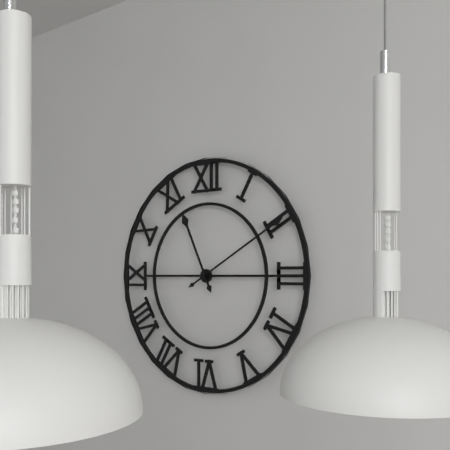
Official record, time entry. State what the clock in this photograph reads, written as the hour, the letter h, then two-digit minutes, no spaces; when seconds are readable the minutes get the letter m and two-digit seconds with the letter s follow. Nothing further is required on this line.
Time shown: 11h10
